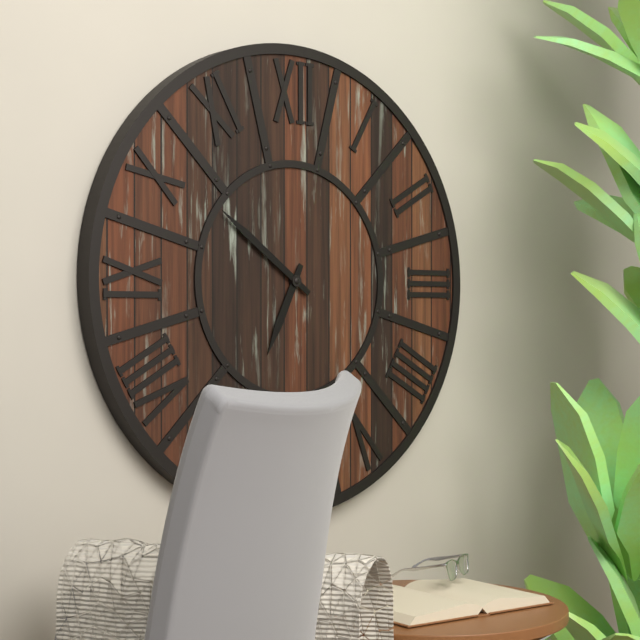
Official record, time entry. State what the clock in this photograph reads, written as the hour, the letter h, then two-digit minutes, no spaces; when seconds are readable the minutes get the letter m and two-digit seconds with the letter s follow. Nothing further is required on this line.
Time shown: 6h51
